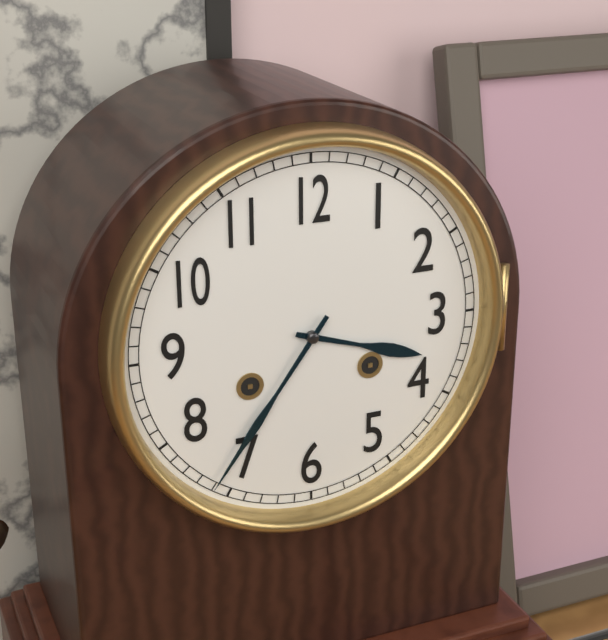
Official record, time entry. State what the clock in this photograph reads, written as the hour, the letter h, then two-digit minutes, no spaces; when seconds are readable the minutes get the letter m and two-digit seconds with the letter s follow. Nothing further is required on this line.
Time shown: 3h36
